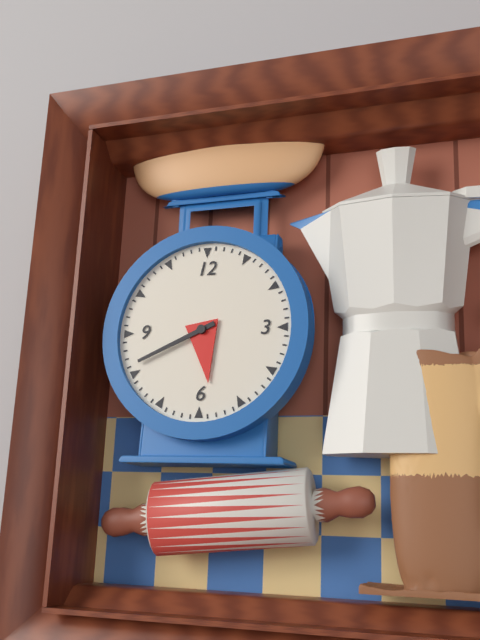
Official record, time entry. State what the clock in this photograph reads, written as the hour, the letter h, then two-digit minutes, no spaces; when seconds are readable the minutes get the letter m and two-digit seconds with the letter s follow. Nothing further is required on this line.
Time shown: 5h41
